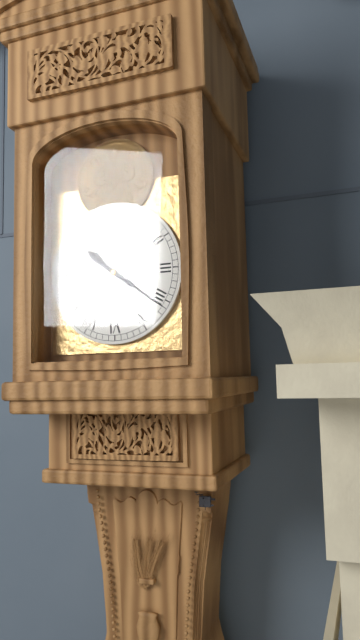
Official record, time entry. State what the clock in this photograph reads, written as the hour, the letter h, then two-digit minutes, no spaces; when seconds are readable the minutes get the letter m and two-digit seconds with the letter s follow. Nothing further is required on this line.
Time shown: 10h21
